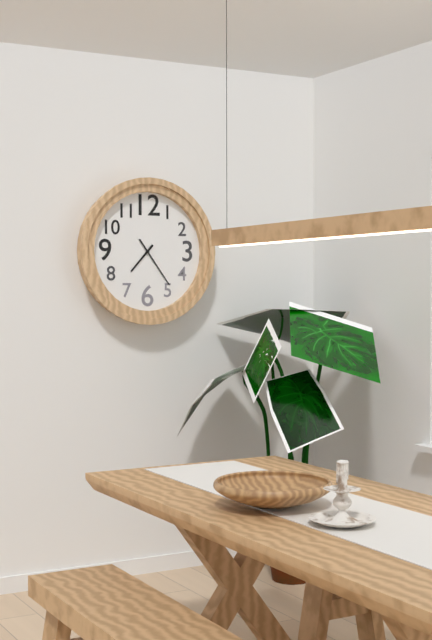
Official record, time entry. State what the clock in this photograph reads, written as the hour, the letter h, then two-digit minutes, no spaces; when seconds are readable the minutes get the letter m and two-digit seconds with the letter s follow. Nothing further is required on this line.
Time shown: 7h24
